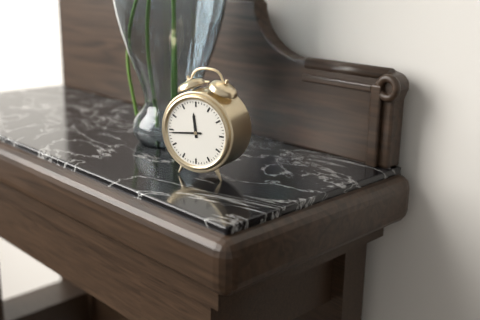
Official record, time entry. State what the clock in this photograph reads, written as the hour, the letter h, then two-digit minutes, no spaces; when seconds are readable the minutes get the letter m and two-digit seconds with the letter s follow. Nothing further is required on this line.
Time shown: 11h44
